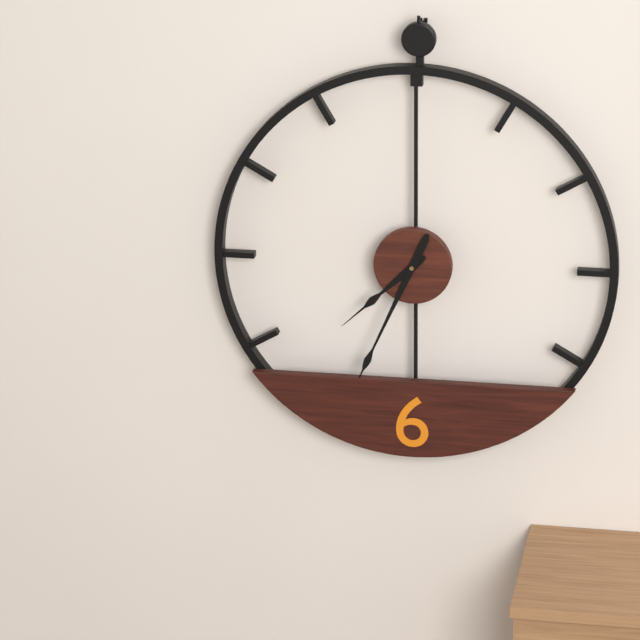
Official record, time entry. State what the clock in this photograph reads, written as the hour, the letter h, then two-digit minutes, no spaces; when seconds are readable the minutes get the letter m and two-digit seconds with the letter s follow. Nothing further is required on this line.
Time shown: 7h34
